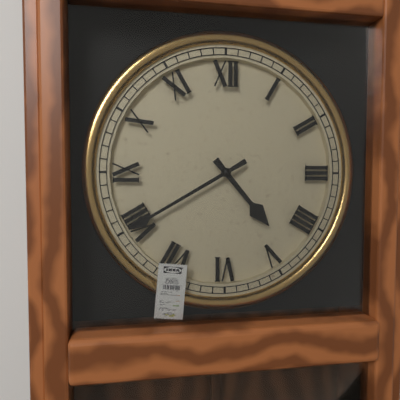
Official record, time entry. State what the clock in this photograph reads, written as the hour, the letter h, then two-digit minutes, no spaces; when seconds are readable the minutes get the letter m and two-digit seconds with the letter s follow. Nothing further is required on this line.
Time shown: 4h40
